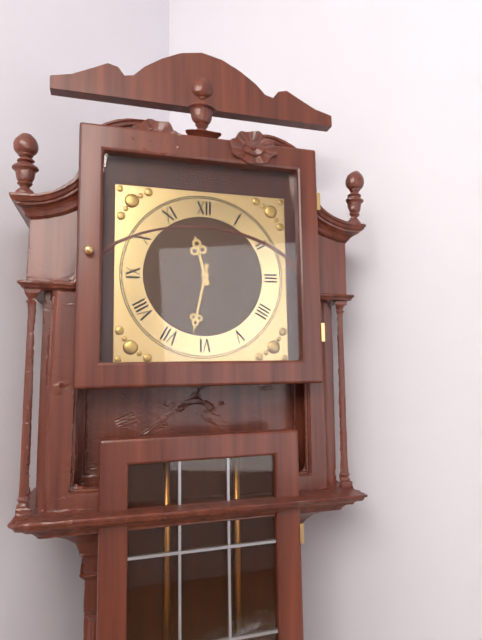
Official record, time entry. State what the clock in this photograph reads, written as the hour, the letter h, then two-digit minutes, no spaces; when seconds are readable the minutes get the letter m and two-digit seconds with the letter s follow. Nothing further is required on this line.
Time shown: 11h32
